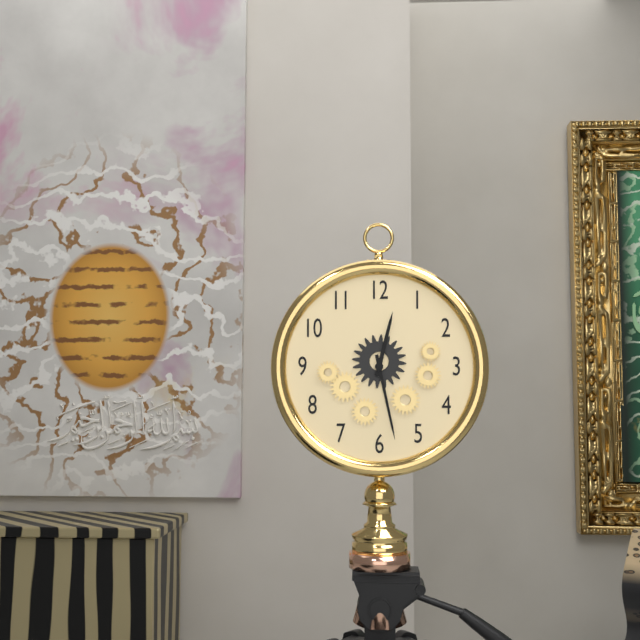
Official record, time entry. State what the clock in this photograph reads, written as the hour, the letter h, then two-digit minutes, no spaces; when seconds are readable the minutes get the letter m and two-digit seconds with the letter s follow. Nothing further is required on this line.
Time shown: 12h28
